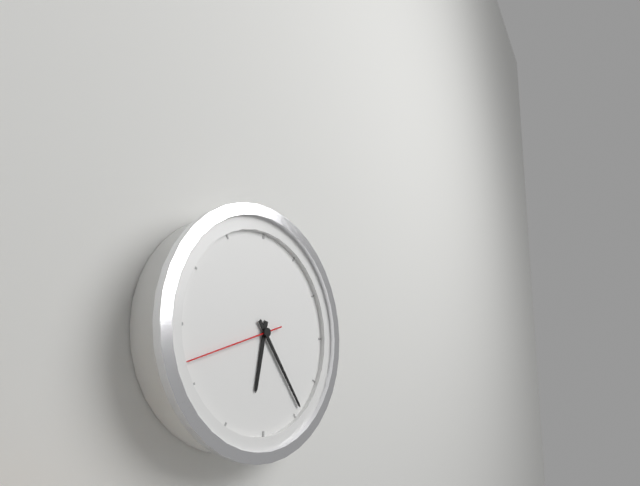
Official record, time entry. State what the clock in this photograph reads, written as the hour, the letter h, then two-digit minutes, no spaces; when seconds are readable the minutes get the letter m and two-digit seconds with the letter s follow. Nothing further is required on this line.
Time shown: 6h24m42s
